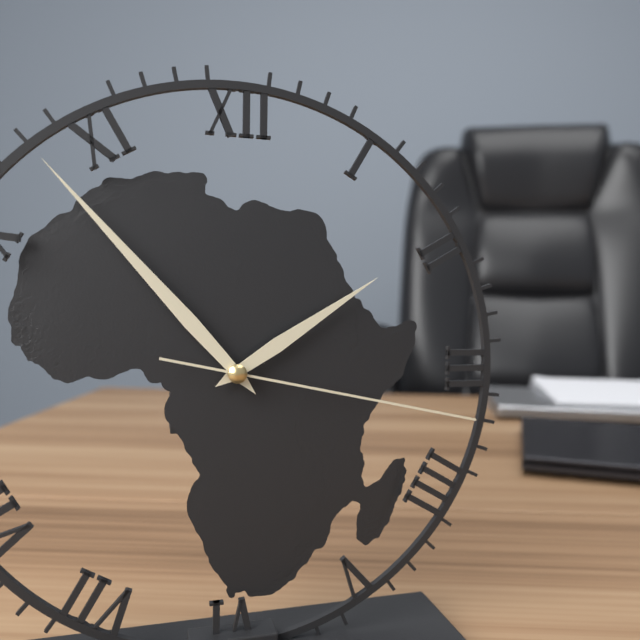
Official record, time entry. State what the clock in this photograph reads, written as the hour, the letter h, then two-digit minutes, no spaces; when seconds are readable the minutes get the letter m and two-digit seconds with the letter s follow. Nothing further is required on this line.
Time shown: 1h53m17s
